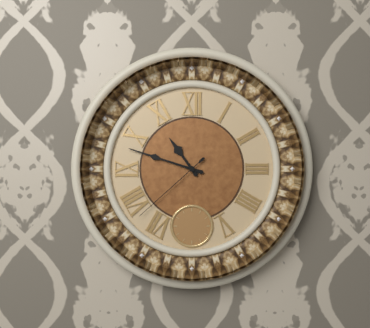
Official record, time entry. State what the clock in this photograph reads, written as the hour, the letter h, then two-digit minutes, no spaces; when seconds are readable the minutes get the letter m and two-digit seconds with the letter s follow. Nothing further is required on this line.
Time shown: 10h48m38s
